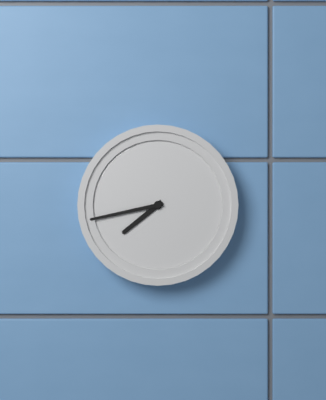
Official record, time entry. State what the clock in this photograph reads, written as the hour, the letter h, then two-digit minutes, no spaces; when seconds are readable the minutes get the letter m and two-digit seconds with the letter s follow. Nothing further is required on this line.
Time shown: 7h43
